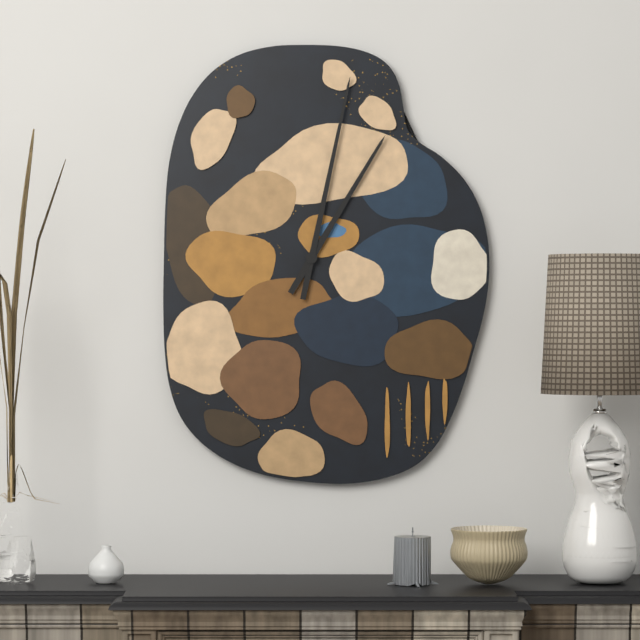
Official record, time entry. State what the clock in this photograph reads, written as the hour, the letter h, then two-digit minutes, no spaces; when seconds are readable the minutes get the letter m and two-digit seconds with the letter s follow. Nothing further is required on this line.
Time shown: 1h02
